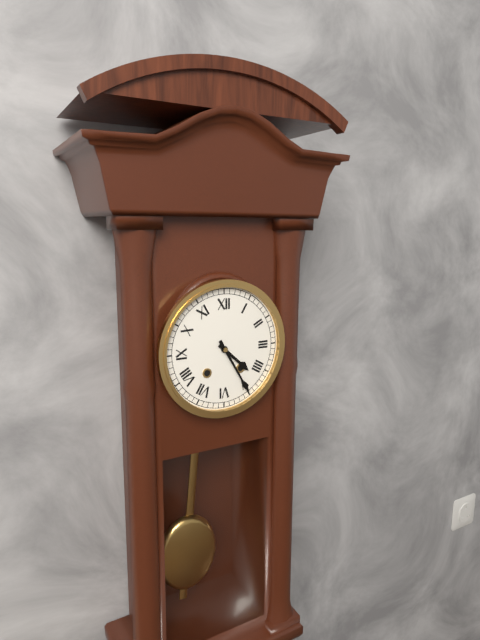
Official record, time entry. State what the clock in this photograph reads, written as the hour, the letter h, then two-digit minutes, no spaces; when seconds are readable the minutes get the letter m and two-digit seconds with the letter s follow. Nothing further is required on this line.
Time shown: 4h25
